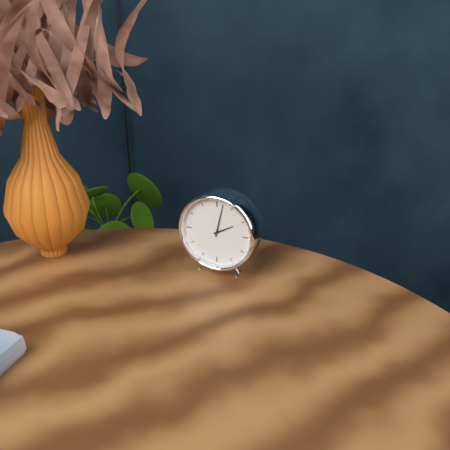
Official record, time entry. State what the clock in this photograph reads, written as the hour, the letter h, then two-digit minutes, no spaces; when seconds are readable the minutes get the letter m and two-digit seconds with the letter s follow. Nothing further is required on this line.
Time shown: 2h02
